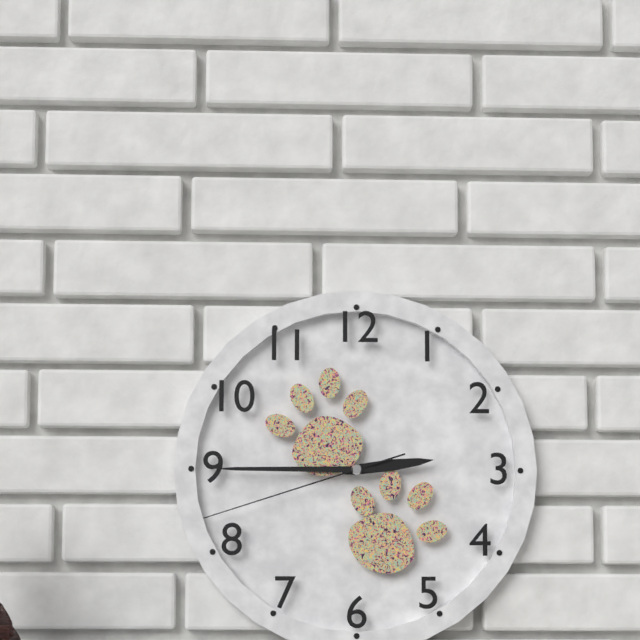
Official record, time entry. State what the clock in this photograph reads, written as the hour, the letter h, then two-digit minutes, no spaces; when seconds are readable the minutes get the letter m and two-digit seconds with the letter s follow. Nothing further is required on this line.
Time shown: 2h45m42s
